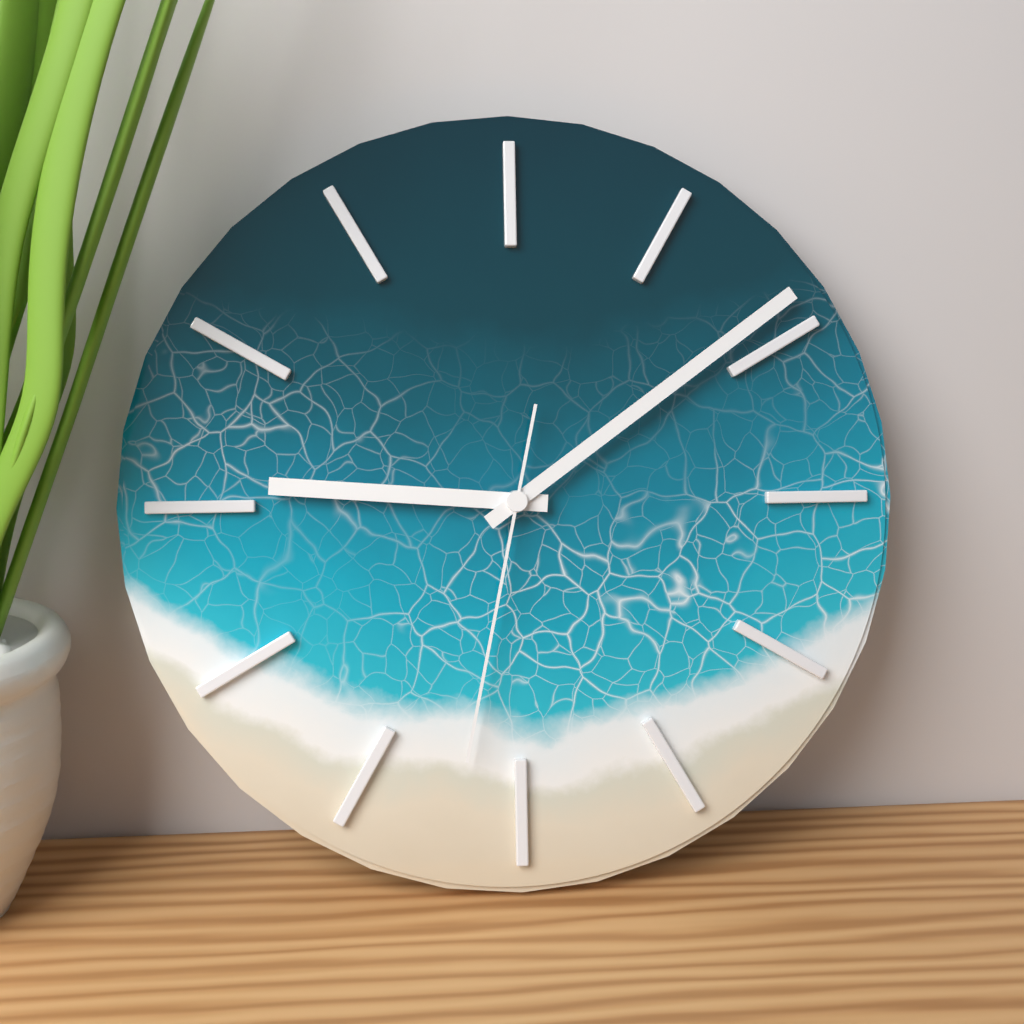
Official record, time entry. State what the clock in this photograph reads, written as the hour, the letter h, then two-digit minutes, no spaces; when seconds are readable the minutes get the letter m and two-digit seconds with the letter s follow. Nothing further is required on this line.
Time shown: 9h09m32s
